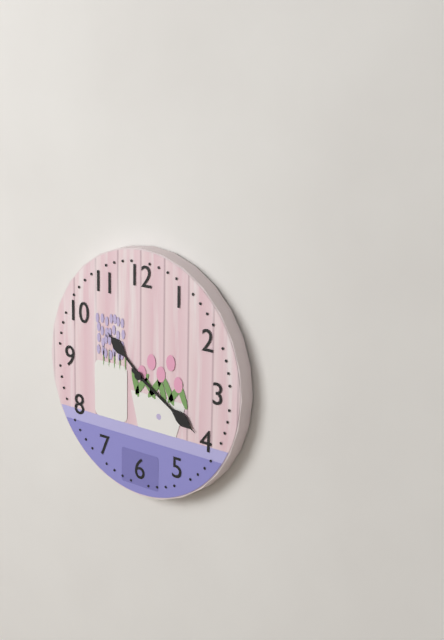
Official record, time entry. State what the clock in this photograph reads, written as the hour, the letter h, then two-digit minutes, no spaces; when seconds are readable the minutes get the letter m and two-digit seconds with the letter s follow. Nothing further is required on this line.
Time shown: 10h20
